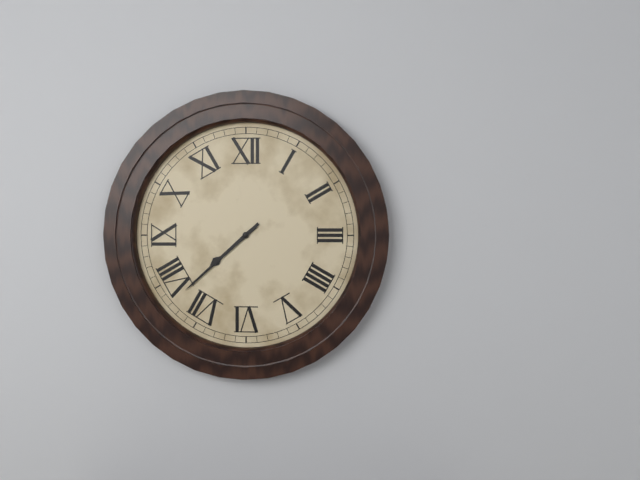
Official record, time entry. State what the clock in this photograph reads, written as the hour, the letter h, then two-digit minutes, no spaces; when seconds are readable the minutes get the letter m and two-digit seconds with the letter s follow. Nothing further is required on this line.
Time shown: 7h38
